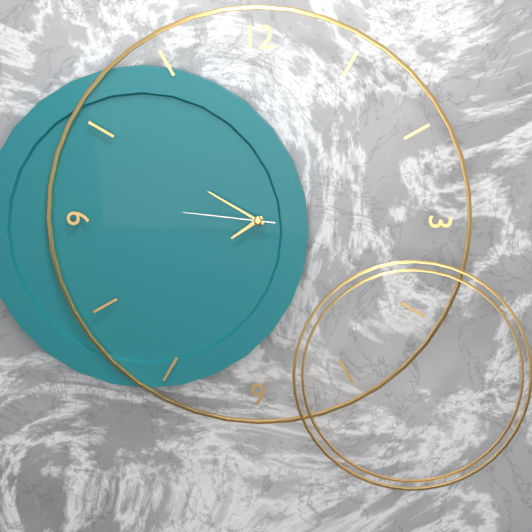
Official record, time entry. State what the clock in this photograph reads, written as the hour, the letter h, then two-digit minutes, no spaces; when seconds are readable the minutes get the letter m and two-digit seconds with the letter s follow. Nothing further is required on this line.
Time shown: 7h50m46s
